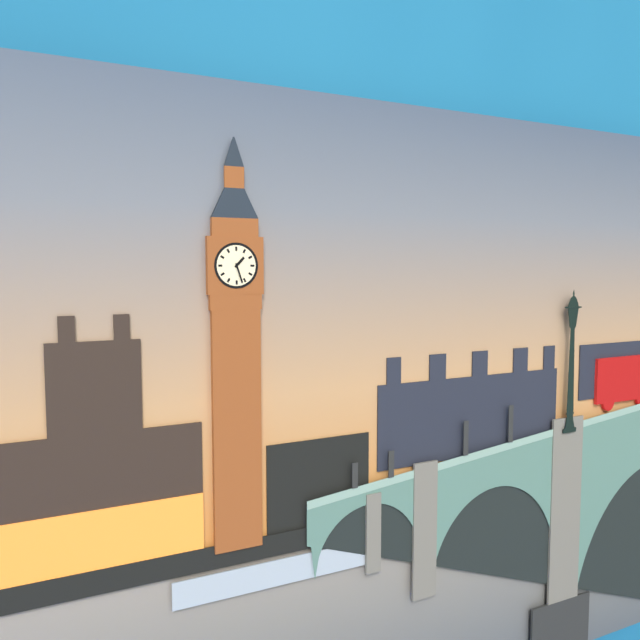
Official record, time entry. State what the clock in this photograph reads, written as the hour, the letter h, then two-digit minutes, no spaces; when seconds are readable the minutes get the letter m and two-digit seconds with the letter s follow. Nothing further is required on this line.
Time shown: 1h27
